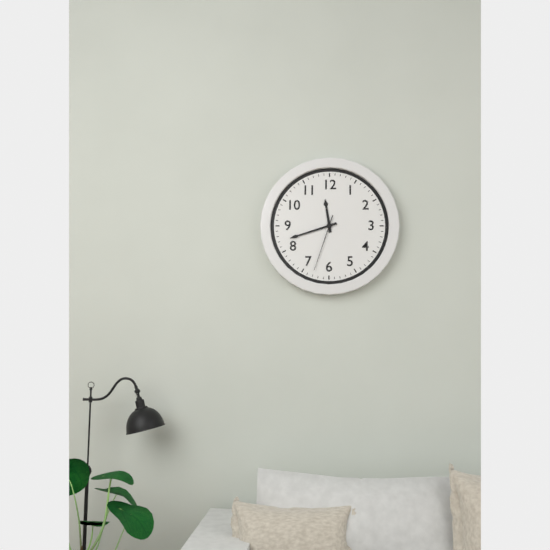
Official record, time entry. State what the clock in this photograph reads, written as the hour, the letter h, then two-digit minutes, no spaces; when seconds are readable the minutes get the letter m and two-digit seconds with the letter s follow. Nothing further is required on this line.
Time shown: 11h42m33s
